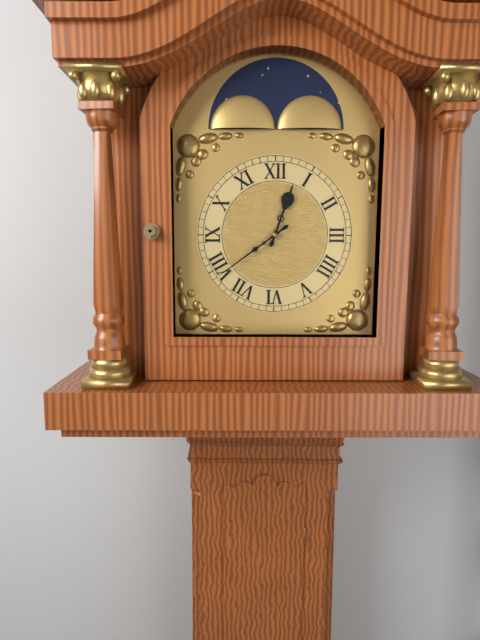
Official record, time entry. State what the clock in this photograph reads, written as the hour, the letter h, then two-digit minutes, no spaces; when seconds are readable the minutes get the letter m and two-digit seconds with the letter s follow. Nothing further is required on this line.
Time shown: 12h39
